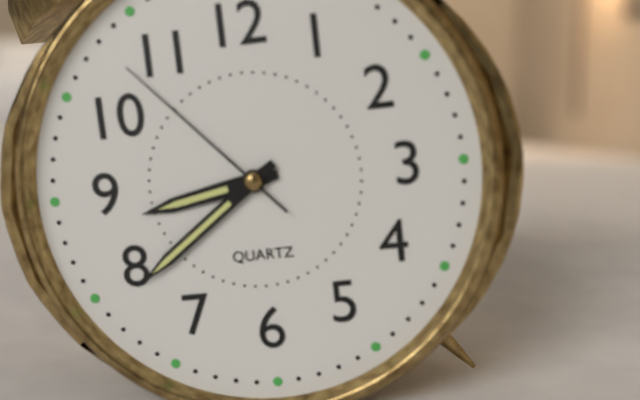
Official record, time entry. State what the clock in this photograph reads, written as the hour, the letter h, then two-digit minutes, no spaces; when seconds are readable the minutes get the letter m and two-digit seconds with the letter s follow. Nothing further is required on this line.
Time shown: 8h39m53s
